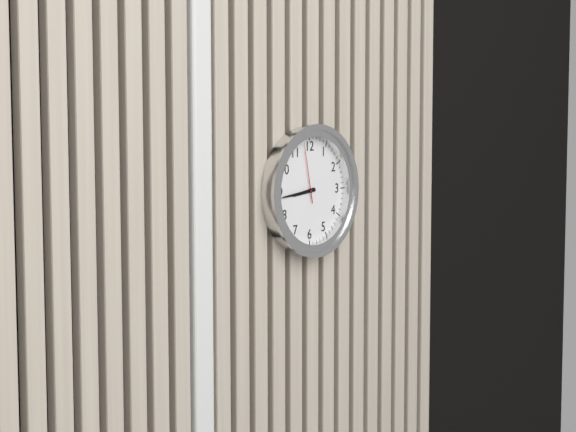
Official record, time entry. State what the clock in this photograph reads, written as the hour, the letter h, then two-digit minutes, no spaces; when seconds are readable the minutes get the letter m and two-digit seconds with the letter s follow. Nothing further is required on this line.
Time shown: 8h44m58s
